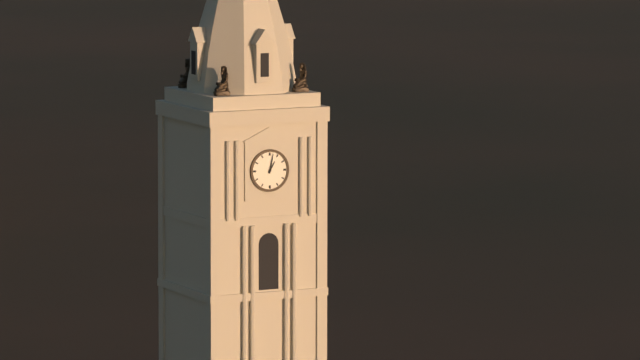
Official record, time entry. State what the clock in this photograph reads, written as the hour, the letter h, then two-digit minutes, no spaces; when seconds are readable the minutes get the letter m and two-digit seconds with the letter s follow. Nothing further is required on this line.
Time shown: 1h02
